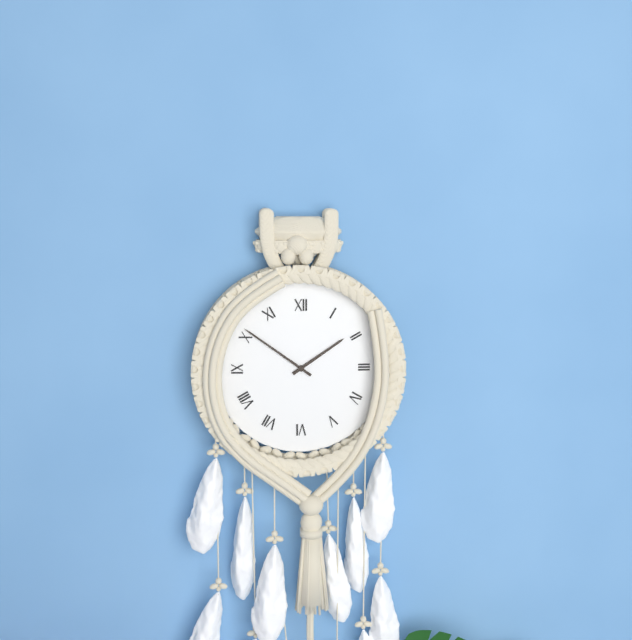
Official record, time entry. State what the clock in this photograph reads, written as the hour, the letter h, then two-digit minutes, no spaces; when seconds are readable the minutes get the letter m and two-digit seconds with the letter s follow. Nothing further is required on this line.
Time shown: 1h51
